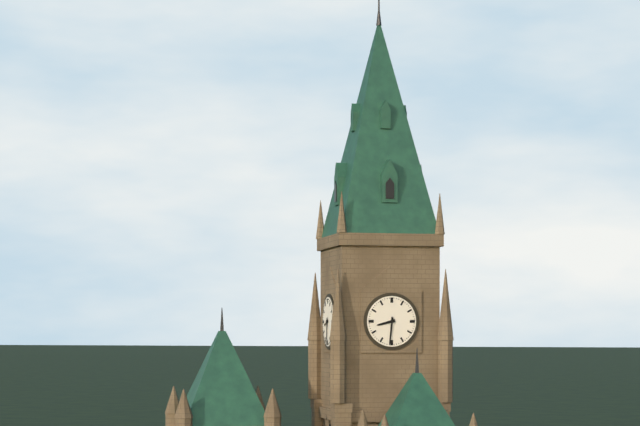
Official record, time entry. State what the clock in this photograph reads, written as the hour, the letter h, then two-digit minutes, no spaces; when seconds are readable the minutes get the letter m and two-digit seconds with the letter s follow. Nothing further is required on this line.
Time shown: 8h31
